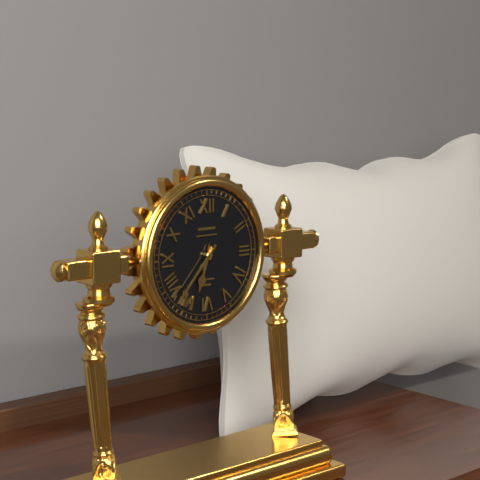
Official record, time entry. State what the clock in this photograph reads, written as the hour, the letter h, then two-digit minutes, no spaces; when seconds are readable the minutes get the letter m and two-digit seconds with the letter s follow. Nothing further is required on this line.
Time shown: 6h37
